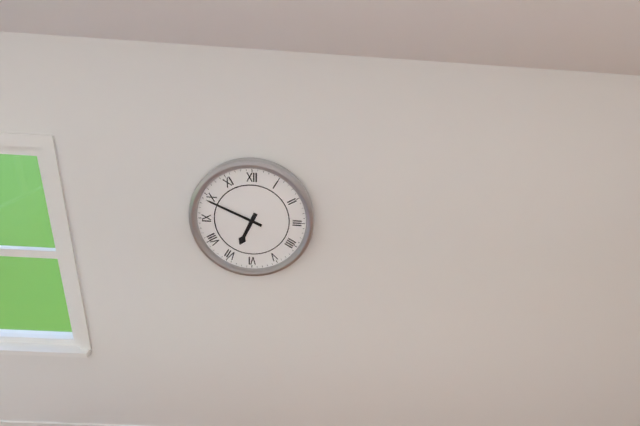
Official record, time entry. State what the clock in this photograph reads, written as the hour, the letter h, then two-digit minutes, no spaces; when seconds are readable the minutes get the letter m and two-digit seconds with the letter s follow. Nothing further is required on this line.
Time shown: 6h49
